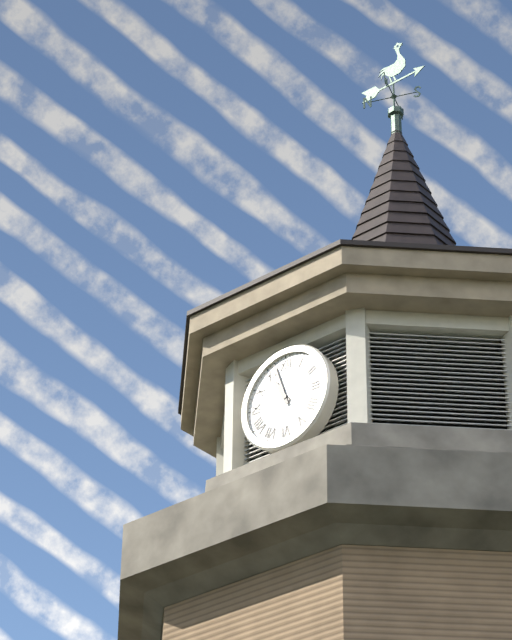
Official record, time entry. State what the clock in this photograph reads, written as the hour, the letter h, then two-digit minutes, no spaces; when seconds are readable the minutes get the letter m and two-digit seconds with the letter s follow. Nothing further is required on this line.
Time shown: 10h57
